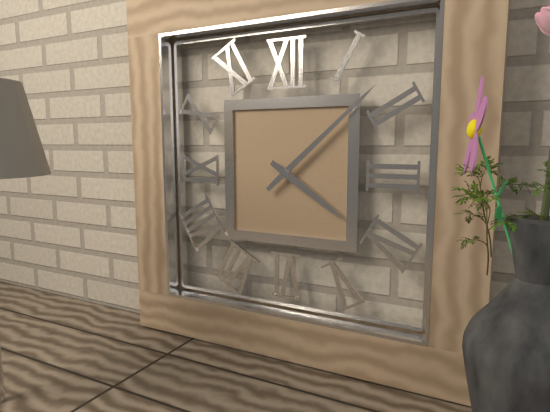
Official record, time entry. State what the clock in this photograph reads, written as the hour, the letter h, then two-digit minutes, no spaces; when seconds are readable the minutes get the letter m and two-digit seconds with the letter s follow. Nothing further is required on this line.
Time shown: 4h08
